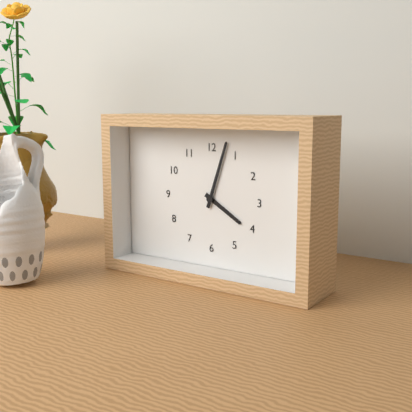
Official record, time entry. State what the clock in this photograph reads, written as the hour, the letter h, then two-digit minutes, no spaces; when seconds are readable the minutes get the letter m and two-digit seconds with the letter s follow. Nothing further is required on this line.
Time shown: 4h03
